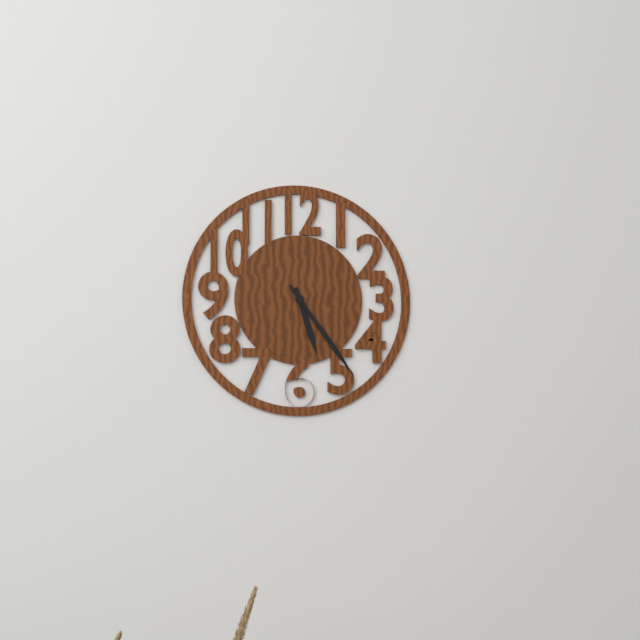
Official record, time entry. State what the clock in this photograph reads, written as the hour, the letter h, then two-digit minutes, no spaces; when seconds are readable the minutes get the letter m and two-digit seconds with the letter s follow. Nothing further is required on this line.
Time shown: 5h24
